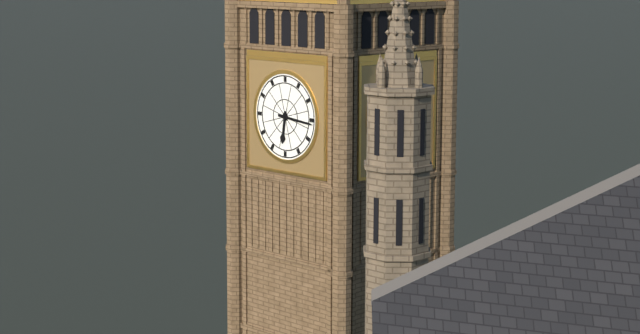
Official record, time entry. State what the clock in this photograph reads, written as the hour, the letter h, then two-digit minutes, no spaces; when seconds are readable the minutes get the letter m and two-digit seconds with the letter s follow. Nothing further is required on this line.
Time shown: 6h16
